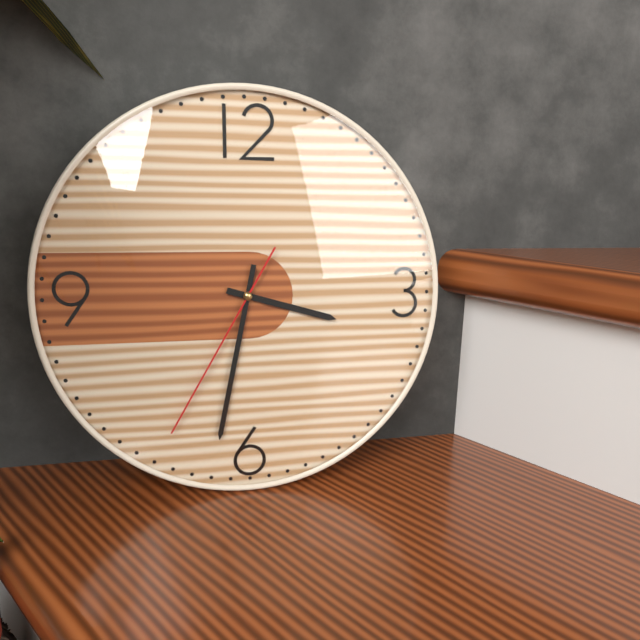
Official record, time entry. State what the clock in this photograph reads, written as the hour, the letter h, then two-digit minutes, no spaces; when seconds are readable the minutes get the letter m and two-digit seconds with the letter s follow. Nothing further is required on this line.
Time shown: 3h32m35s
